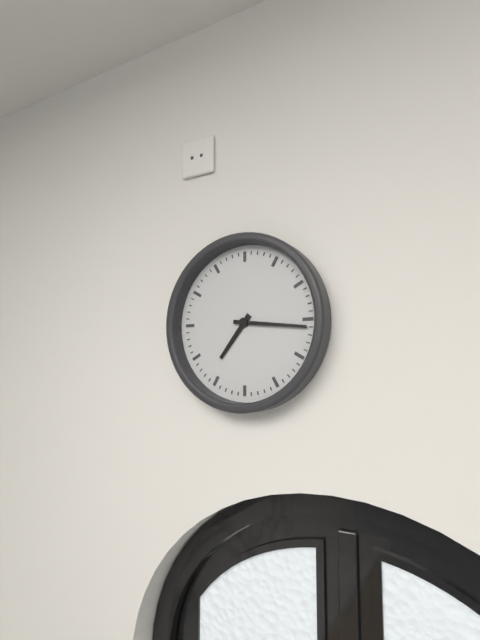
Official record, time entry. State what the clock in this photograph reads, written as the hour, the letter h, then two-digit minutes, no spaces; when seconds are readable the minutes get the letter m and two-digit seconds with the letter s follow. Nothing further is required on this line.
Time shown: 7h16
